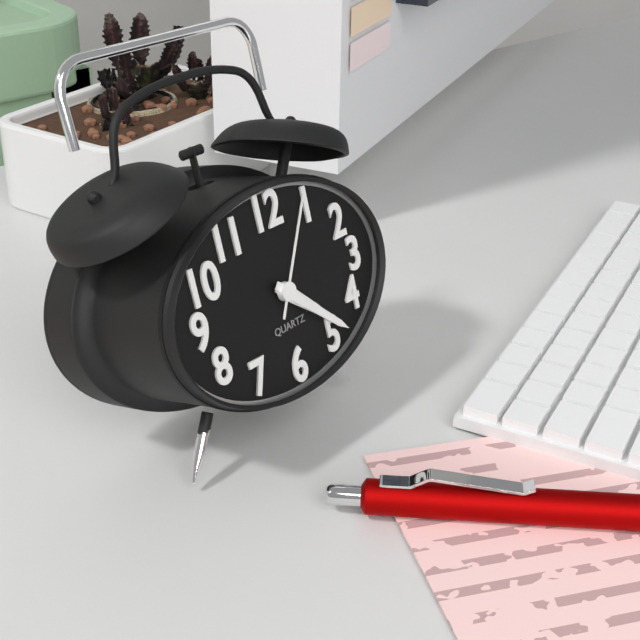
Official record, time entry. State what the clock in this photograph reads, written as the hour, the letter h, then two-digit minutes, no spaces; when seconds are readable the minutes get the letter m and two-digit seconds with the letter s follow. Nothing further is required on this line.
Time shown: 4h22m05s
